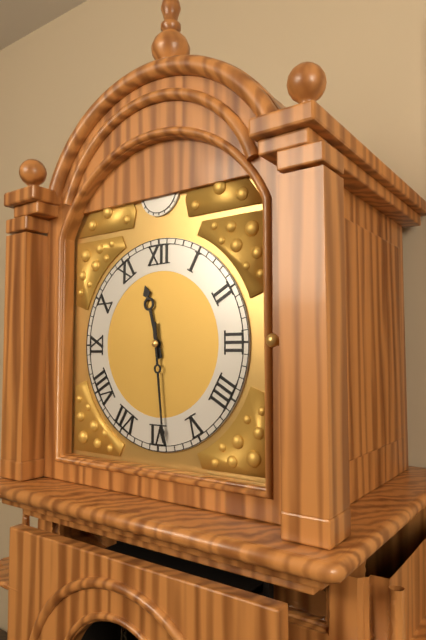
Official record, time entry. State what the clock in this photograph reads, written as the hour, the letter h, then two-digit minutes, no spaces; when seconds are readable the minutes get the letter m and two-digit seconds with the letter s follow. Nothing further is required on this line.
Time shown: 11h29
